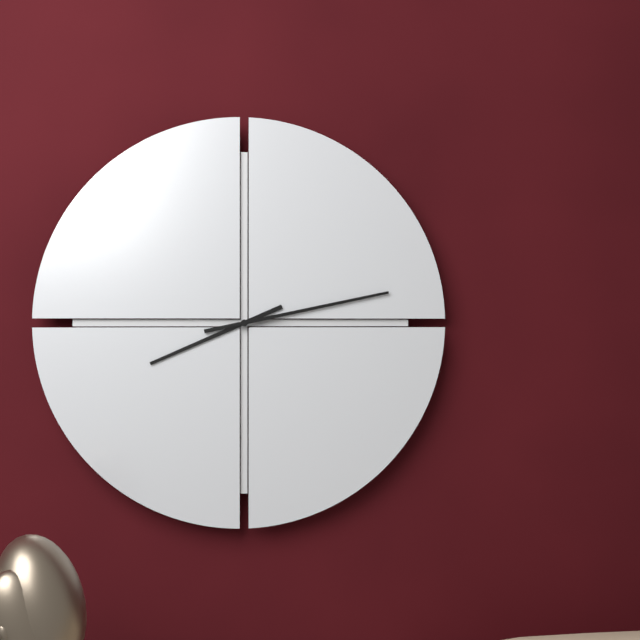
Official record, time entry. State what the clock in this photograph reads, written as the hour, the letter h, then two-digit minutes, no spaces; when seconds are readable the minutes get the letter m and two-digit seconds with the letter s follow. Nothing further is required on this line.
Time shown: 8h13
